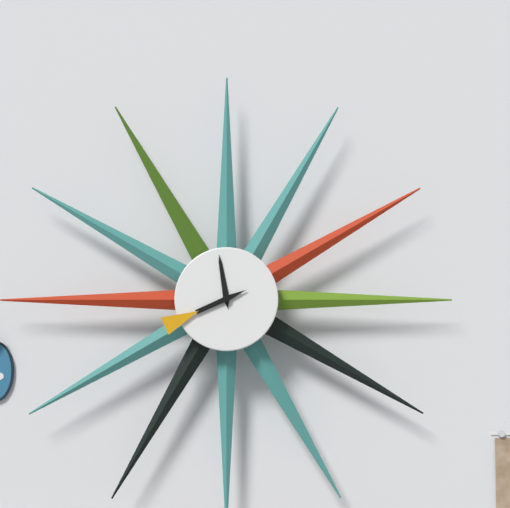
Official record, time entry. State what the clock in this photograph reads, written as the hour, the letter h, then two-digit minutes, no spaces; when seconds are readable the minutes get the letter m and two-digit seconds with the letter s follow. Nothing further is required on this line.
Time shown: 11h41
